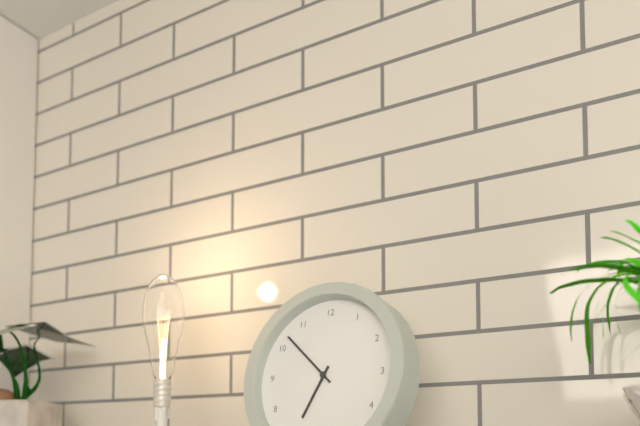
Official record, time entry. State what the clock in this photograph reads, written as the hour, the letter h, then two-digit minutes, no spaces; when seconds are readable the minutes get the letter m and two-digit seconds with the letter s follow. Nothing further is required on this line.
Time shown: 6h52
